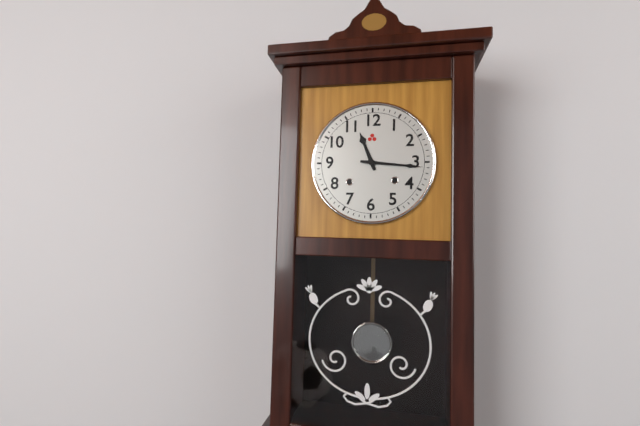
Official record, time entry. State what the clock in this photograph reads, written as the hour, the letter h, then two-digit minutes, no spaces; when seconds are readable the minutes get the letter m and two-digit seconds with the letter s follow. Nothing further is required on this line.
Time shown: 11h16
